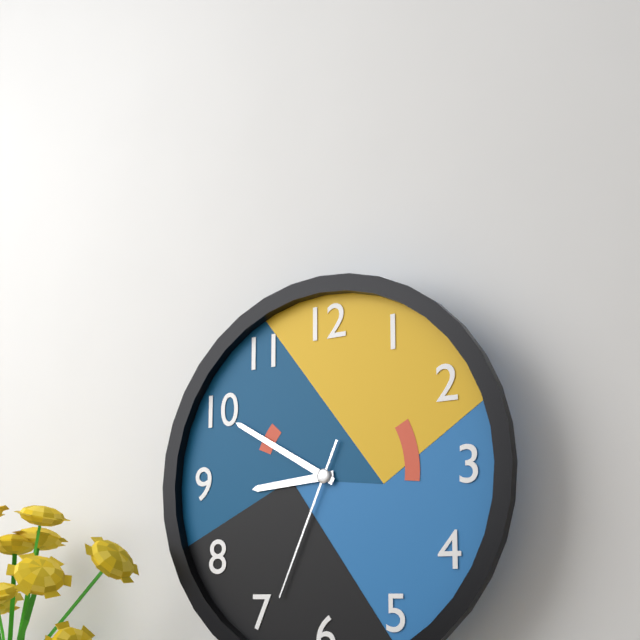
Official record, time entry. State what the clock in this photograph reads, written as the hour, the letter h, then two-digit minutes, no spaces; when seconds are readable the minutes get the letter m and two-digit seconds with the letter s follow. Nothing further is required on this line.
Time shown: 8h50m34s
